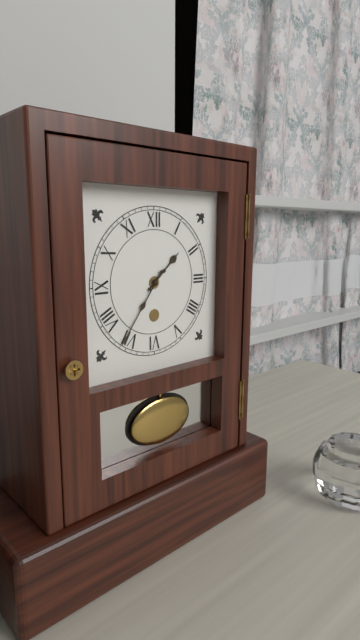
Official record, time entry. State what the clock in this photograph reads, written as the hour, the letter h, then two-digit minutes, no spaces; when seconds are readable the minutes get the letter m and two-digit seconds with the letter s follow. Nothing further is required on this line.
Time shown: 1h36
